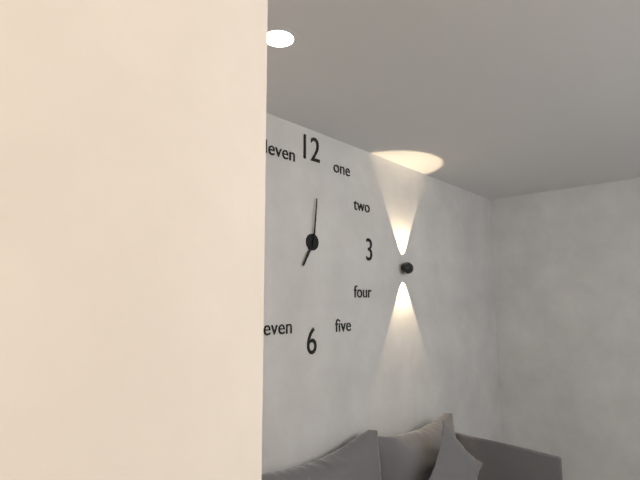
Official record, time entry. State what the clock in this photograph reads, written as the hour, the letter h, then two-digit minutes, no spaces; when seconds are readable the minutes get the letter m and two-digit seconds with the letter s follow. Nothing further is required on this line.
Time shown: 7h01
